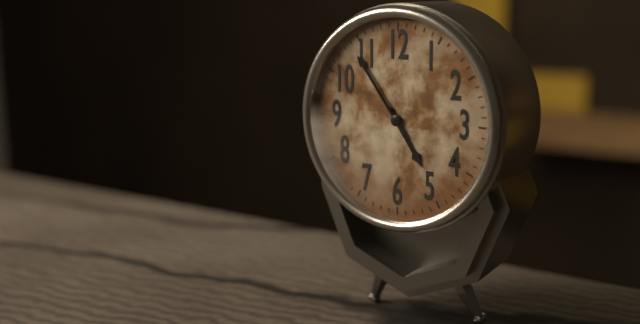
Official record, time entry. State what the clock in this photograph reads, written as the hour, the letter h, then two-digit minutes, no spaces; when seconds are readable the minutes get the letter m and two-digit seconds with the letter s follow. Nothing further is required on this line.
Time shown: 4h54
